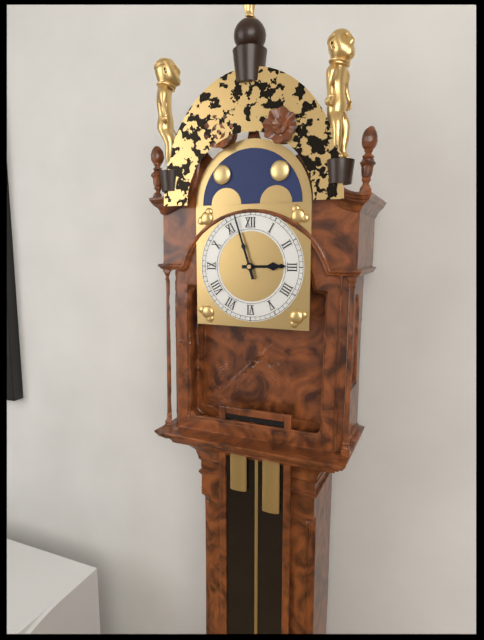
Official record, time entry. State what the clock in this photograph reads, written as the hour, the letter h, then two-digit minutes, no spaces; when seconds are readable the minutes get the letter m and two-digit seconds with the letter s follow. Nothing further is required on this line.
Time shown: 2h57
